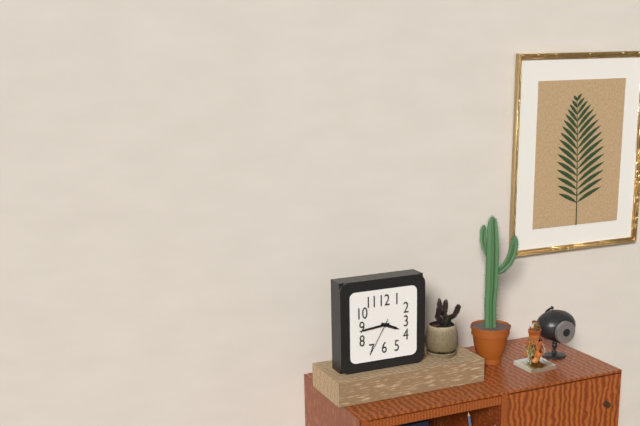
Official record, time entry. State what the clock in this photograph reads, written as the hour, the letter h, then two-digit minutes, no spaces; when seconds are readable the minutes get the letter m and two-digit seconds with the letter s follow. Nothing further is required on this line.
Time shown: 3h44
